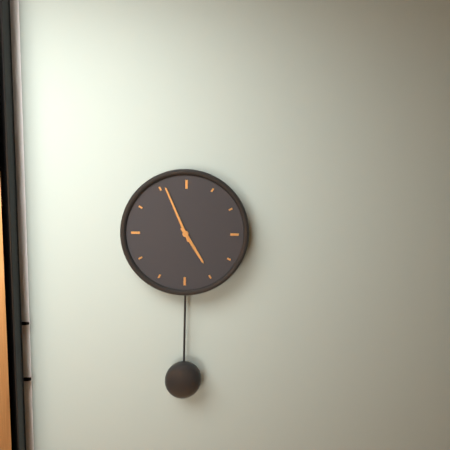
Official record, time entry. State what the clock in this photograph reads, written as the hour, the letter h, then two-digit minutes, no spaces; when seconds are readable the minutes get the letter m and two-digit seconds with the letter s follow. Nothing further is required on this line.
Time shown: 4h56
